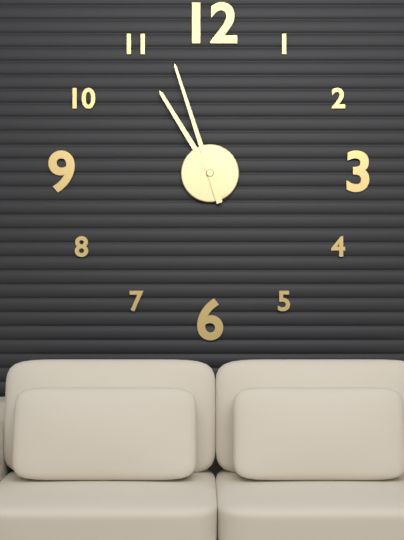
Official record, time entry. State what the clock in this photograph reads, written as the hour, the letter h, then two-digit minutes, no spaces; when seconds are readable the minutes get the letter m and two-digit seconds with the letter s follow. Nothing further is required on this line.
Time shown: 10h57
